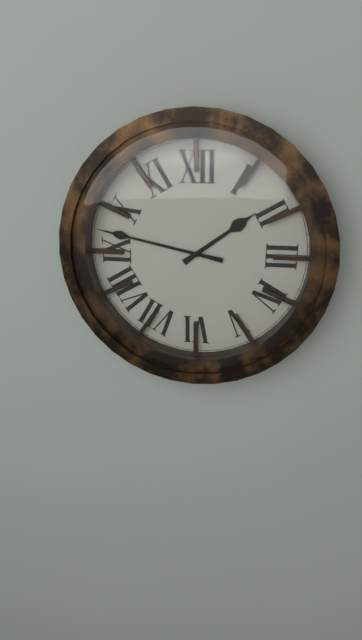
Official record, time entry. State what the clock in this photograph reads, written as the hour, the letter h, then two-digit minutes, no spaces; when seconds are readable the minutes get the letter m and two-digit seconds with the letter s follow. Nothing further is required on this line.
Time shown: 1h47
